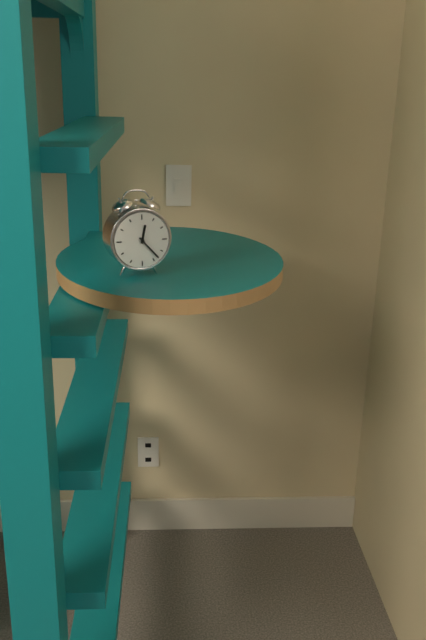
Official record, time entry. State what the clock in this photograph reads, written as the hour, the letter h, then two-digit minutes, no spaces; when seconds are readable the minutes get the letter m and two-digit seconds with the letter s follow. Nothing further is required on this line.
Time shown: 12h23
